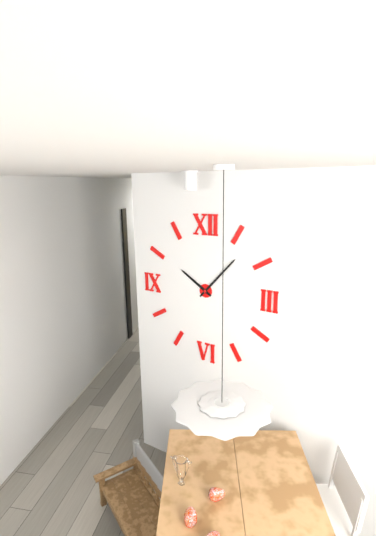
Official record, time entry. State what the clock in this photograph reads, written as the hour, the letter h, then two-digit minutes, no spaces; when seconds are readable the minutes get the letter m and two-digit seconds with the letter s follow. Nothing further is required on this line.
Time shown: 10h07
